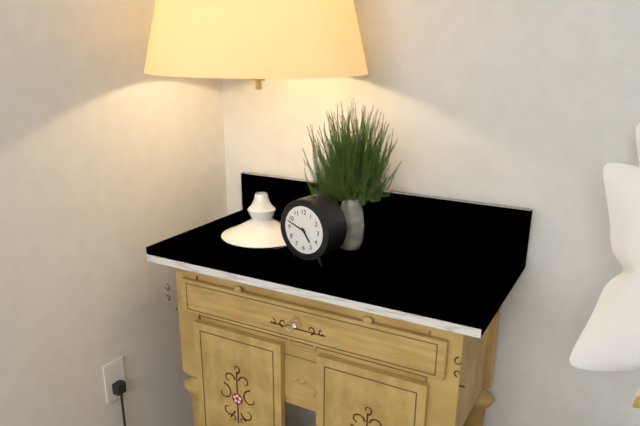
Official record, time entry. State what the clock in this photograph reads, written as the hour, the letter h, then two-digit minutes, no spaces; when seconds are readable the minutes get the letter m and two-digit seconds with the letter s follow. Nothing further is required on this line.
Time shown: 4h48
